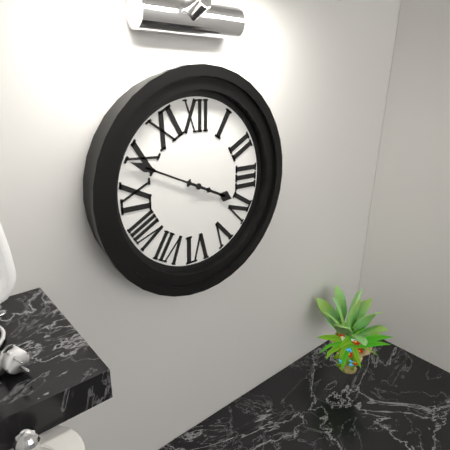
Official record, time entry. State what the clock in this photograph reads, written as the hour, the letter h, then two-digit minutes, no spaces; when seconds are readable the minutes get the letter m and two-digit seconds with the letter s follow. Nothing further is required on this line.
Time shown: 3h49
